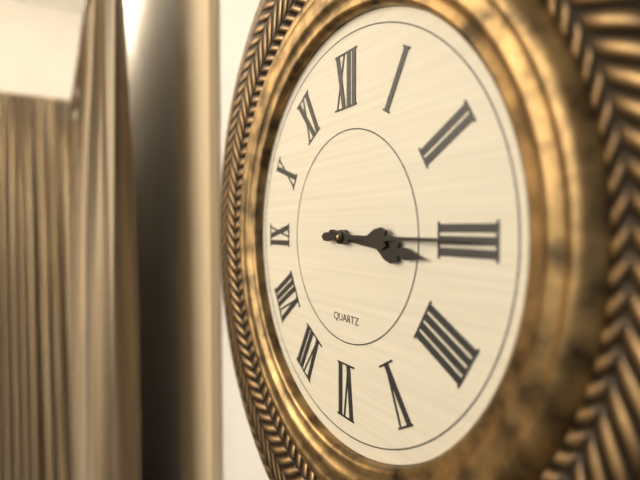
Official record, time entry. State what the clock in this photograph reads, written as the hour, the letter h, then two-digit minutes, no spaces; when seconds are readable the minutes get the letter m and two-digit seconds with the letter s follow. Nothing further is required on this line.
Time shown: 3h15
